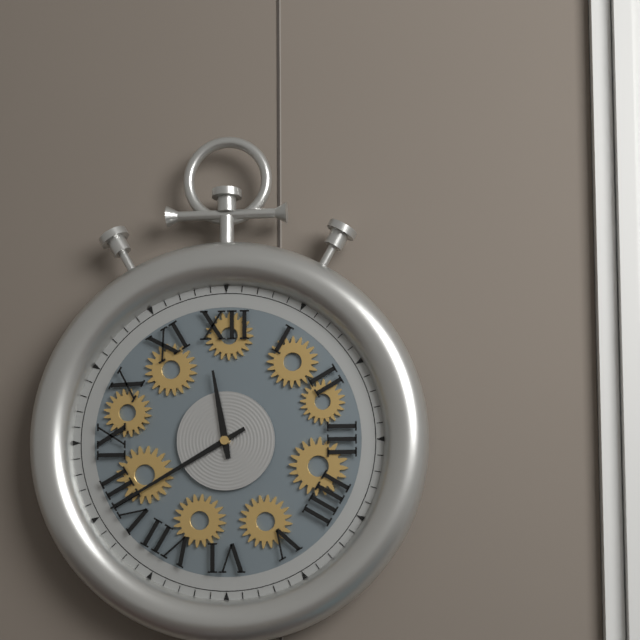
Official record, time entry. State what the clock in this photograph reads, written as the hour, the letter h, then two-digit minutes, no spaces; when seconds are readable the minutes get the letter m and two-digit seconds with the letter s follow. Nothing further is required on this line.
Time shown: 11h40
